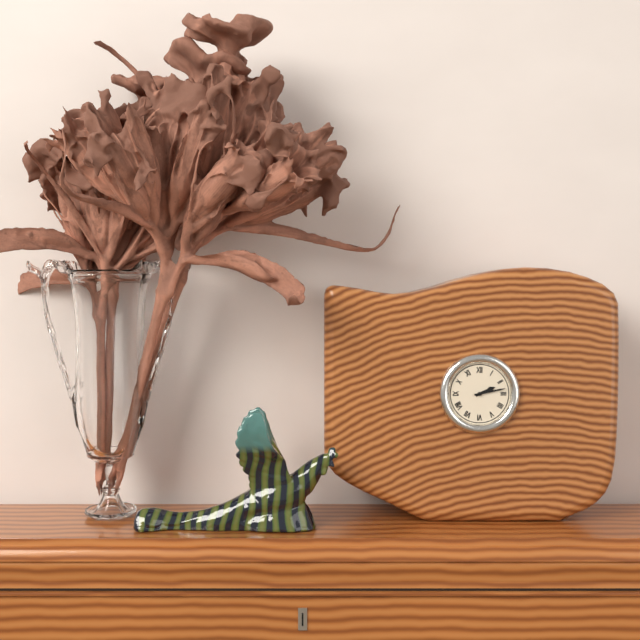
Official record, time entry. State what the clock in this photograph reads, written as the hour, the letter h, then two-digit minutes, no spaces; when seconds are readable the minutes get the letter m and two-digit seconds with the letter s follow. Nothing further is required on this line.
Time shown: 2h13
